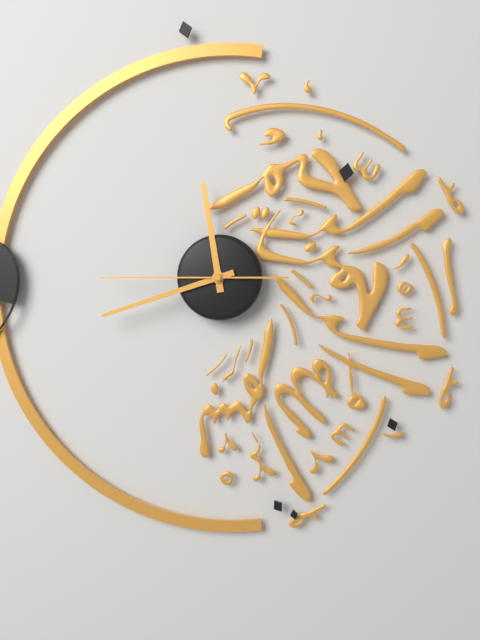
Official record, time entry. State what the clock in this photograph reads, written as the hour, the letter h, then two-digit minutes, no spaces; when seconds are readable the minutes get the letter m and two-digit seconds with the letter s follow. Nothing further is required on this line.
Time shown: 11h42m45s
